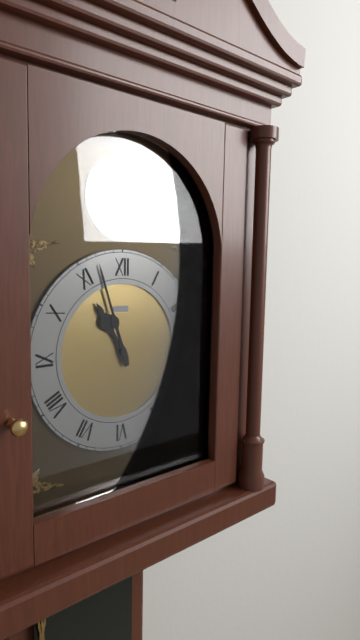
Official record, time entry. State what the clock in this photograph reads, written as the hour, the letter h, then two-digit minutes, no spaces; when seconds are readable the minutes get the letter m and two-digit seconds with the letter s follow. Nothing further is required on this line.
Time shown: 10h57
